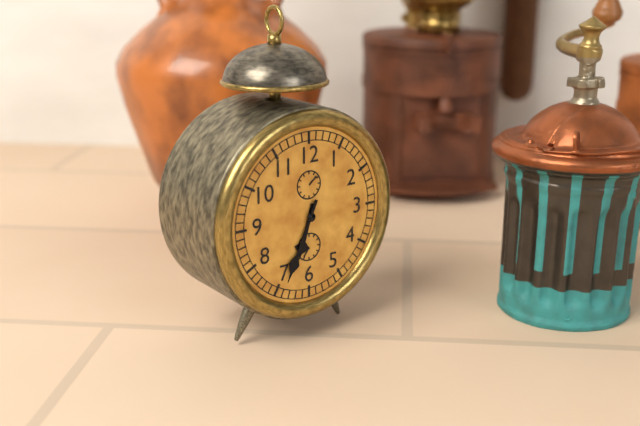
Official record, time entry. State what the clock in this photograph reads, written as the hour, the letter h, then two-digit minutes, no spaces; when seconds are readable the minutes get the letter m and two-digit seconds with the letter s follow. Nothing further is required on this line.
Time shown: 6h34
